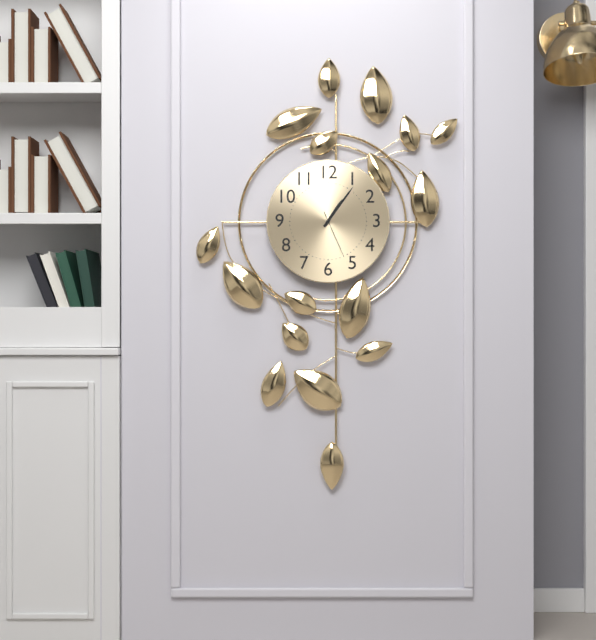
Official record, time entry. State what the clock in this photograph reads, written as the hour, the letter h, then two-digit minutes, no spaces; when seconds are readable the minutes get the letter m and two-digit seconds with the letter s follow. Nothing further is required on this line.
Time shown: 1h06
